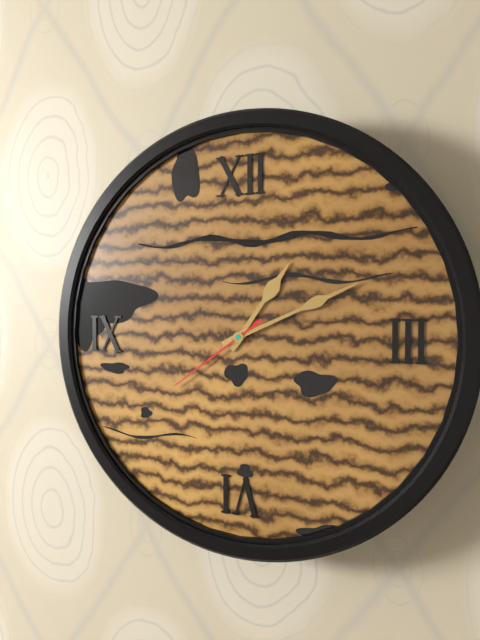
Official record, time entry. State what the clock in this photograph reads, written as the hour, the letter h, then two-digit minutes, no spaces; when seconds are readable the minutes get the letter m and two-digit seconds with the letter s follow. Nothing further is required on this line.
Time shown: 1h11m39s
